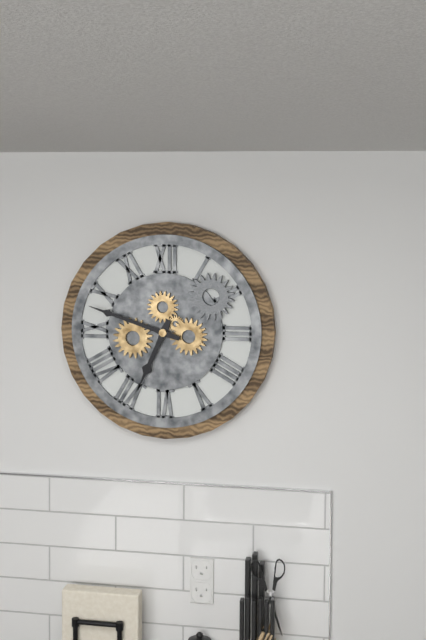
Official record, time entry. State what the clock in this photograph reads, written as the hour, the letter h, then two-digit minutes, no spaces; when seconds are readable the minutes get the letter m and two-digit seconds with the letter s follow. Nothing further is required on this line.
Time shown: 6h48
